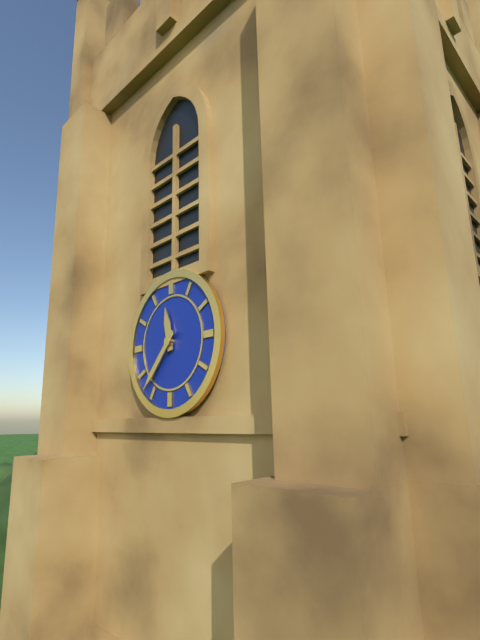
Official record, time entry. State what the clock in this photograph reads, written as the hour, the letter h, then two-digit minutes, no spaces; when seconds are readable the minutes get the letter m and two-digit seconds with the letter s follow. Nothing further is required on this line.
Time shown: 11h37
